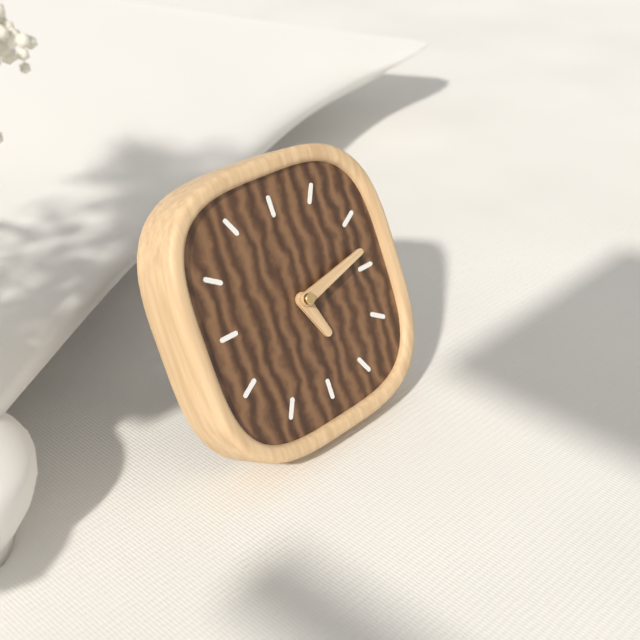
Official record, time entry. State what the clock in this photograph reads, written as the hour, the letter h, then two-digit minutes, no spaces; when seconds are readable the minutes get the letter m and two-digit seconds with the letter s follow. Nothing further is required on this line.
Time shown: 5h13
